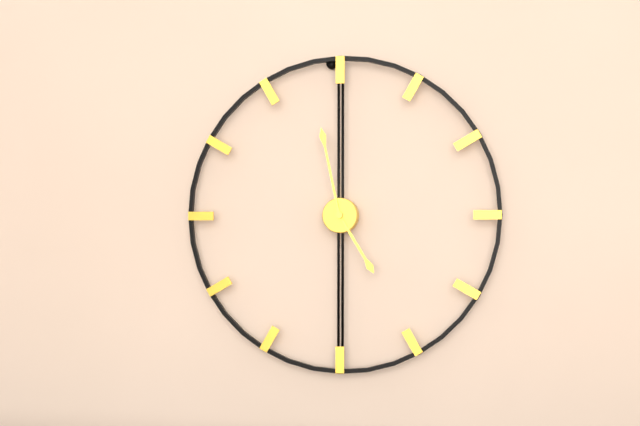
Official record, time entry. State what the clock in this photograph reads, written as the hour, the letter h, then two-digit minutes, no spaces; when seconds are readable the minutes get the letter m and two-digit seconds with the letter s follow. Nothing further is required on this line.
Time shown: 4h58
